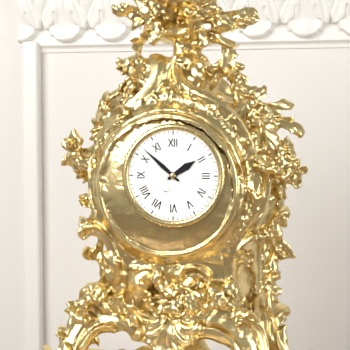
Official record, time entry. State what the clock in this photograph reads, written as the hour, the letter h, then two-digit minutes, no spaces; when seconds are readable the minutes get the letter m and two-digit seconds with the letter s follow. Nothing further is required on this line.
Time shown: 1h52
